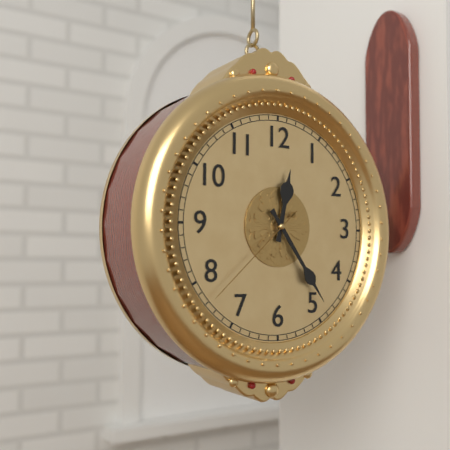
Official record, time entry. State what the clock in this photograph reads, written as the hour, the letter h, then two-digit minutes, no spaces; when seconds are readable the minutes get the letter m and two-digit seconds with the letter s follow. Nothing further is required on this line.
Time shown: 12h24m38s
